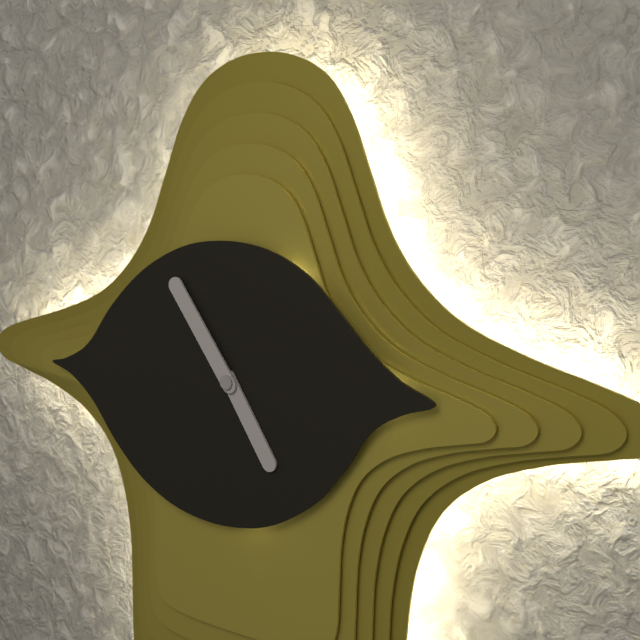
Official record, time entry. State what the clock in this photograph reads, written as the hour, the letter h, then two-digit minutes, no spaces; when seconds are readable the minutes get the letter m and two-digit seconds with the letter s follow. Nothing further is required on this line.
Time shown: 4h54
